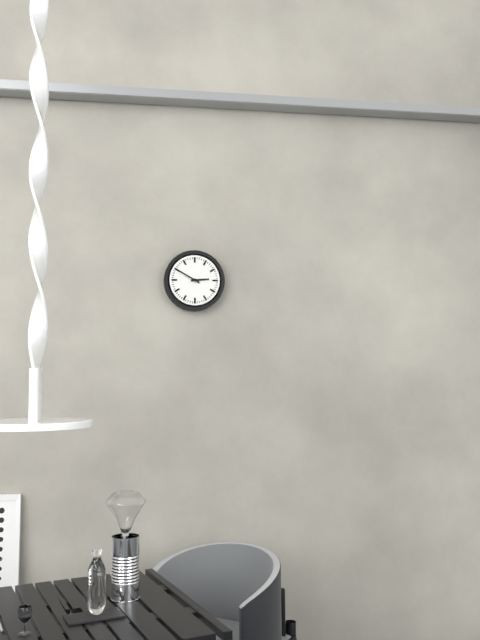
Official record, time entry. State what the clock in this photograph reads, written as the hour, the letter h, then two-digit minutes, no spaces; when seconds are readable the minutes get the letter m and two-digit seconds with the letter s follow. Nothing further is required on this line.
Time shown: 2h50
